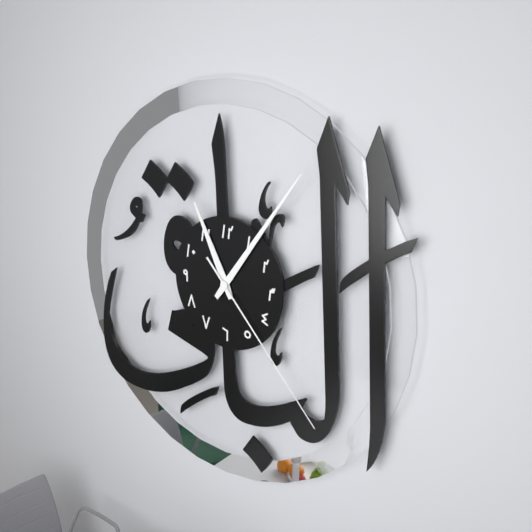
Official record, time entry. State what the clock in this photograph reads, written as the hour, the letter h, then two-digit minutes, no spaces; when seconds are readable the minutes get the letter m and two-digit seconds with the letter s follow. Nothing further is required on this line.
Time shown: 11h06m23s
